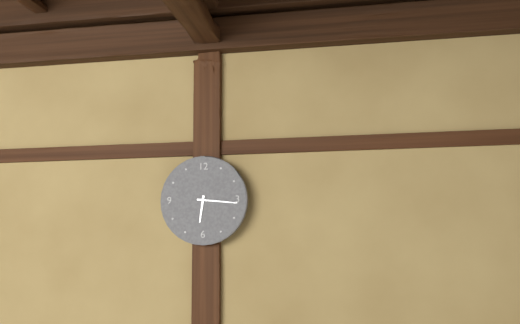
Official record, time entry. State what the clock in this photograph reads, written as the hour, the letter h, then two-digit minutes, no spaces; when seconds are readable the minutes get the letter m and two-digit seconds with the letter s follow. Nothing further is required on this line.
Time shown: 6h16
